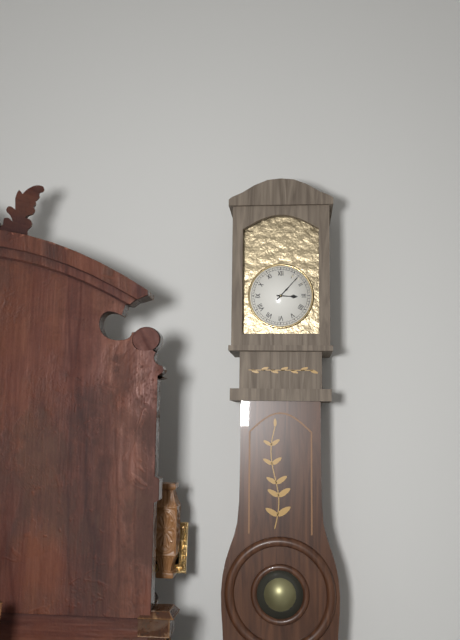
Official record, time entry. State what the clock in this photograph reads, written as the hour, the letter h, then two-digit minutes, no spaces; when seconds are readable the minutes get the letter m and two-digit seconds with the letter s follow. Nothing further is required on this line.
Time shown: 3h07
